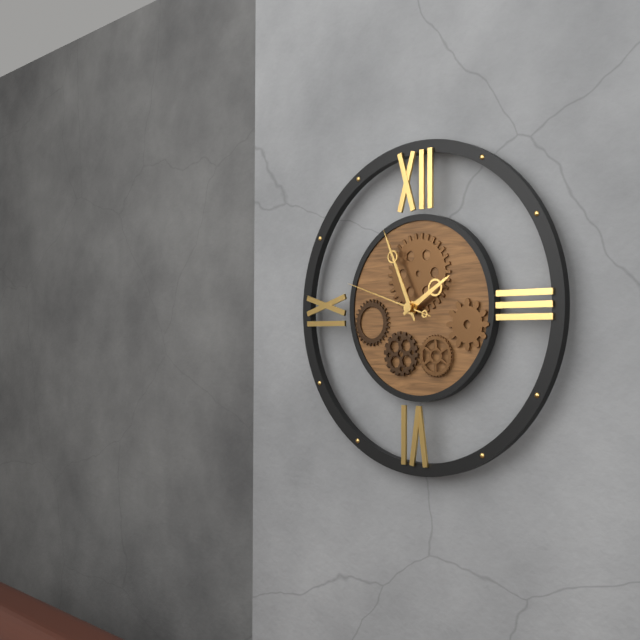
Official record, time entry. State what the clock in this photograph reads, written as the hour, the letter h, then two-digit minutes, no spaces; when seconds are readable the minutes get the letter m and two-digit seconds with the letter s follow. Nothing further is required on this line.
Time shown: 1h56m48s
